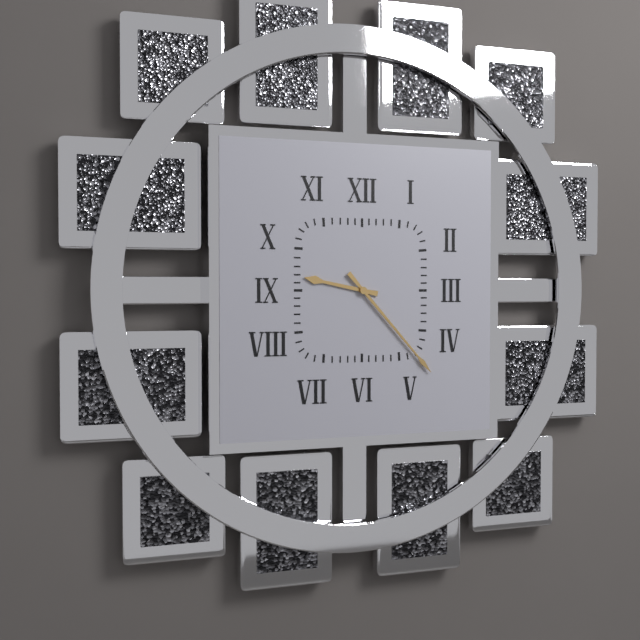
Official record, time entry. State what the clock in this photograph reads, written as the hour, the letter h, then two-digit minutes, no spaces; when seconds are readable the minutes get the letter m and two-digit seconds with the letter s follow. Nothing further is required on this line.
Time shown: 9h23
